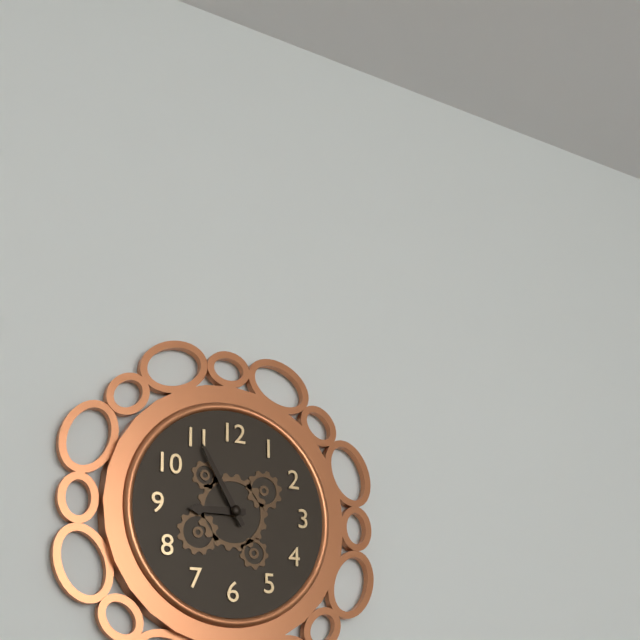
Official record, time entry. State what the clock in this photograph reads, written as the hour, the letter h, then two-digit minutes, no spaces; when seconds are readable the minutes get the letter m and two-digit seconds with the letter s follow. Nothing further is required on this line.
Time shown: 8h55
